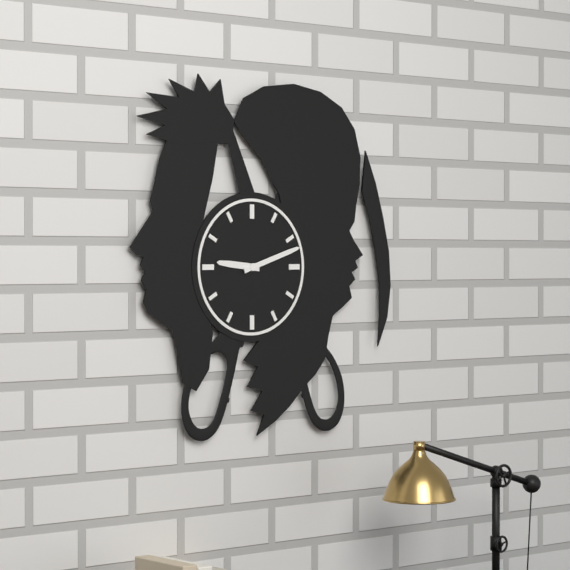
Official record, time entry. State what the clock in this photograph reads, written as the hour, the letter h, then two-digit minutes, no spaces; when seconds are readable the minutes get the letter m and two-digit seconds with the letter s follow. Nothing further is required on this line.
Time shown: 9h12
